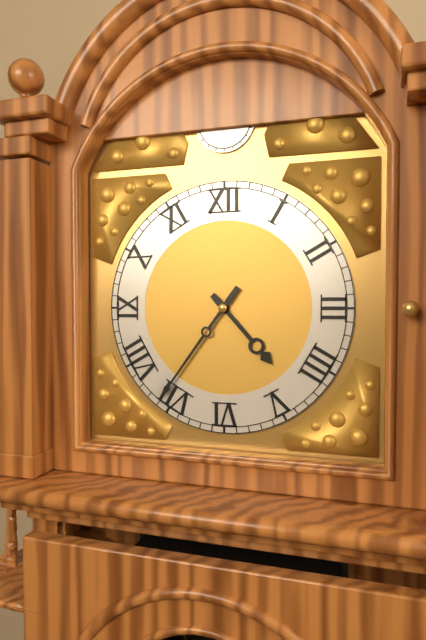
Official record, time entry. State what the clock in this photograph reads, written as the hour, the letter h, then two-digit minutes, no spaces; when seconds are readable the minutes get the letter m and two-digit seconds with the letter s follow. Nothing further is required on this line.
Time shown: 4h36
